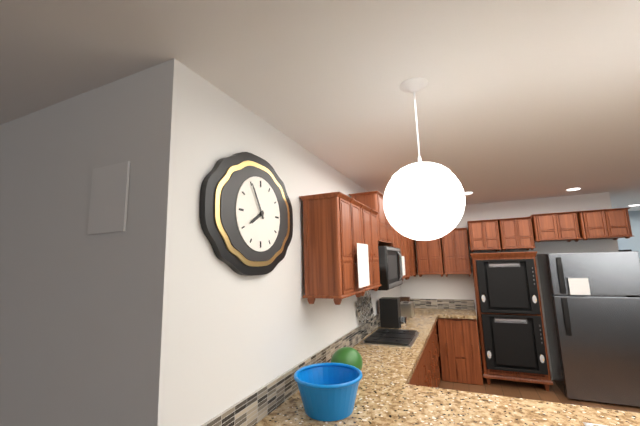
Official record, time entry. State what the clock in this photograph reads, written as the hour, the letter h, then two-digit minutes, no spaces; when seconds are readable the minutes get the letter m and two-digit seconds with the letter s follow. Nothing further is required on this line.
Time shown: 7h55
